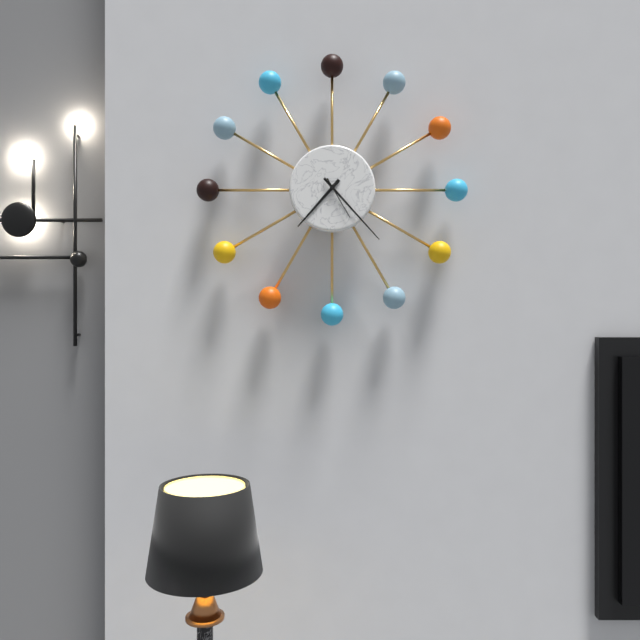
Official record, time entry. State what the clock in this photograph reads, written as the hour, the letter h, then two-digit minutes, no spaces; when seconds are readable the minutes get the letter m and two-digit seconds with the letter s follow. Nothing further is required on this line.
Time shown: 7h23
